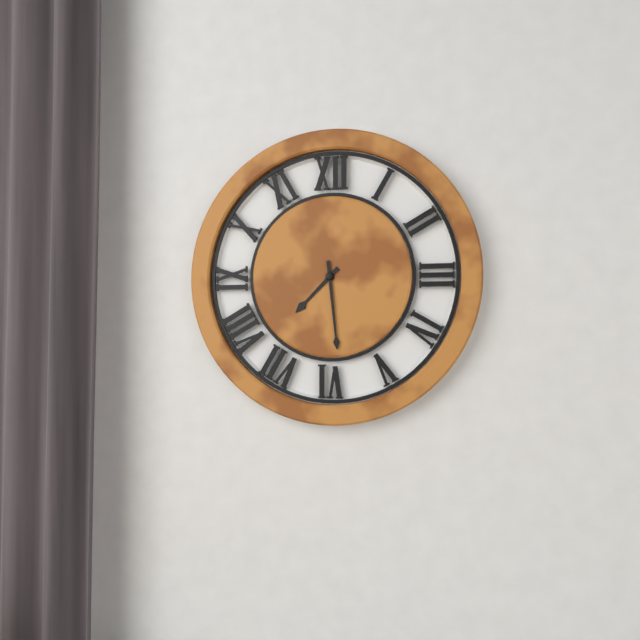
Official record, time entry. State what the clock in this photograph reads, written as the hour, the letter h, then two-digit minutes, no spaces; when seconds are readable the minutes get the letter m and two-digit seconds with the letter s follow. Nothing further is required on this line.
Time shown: 7h29
